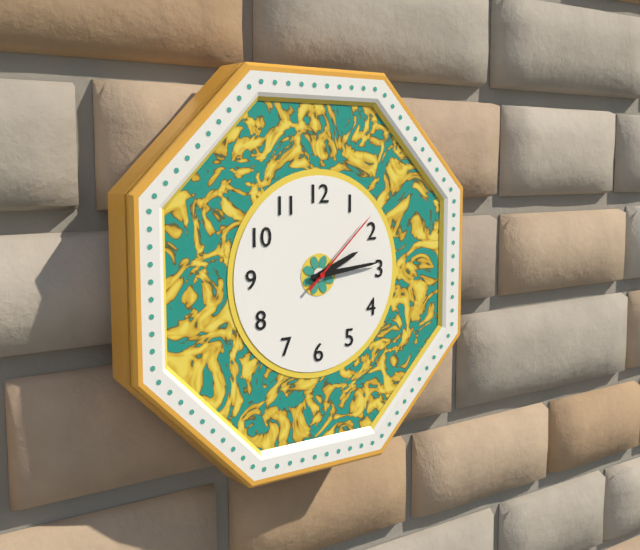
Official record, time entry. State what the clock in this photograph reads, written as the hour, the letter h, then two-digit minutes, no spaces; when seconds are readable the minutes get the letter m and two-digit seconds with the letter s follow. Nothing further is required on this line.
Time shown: 2h14m08s
